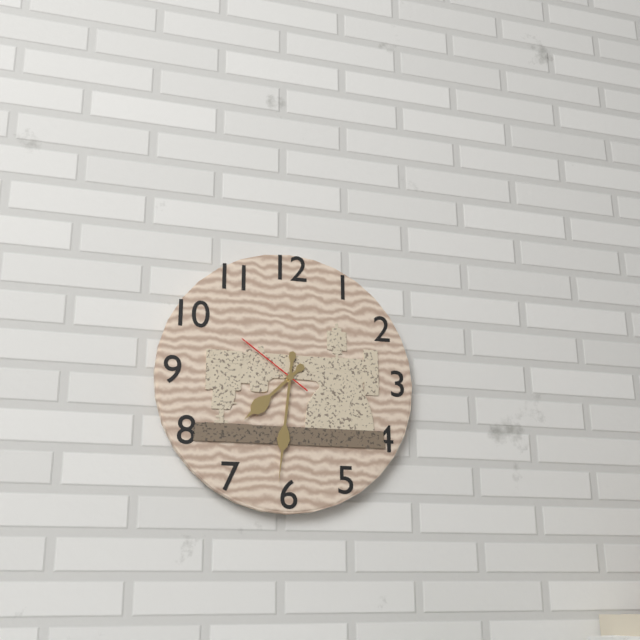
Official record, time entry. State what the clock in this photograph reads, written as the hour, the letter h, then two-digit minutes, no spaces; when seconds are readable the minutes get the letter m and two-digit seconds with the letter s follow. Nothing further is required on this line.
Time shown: 7h31m51s
